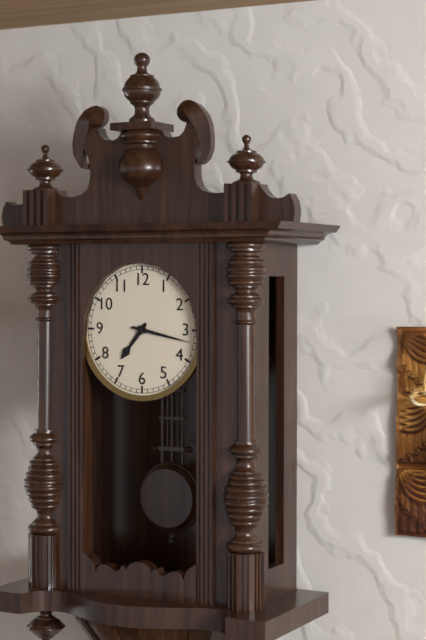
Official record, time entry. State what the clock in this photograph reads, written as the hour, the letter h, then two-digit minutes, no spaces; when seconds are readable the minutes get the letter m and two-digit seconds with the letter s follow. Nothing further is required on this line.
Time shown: 7h17
